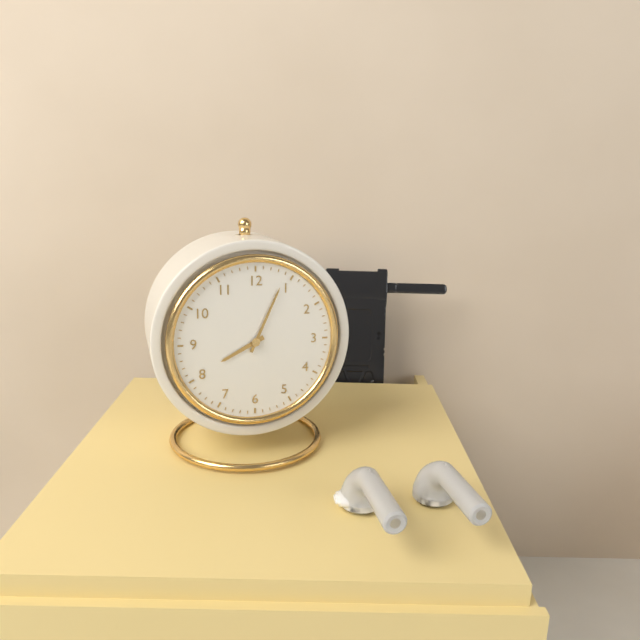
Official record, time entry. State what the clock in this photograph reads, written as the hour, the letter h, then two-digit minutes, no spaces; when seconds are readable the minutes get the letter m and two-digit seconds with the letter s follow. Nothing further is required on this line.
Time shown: 8h04
